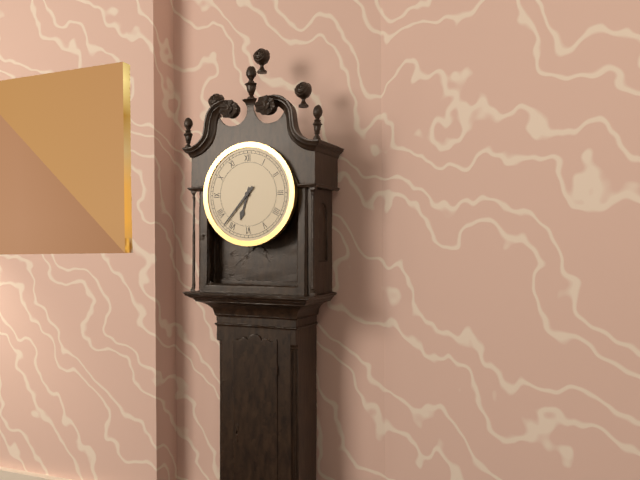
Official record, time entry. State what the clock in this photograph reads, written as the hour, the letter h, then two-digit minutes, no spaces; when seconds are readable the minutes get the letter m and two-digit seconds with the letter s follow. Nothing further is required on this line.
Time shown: 6h37
